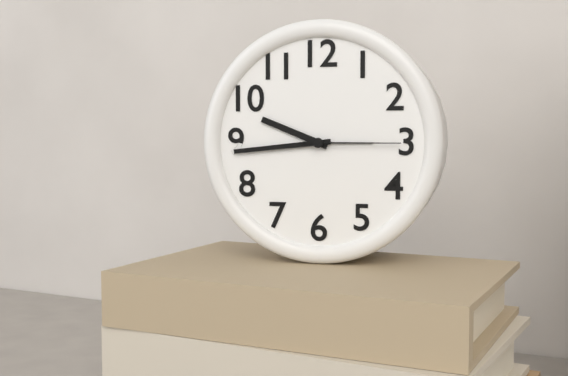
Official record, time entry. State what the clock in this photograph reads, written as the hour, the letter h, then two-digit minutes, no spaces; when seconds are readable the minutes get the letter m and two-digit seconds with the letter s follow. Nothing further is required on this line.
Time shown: 9h44m15s
